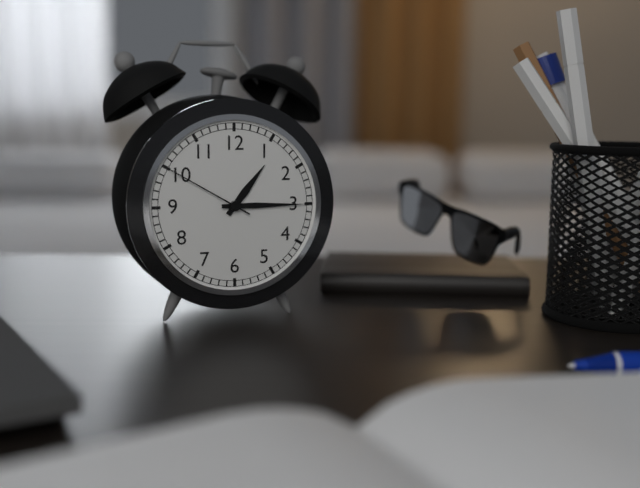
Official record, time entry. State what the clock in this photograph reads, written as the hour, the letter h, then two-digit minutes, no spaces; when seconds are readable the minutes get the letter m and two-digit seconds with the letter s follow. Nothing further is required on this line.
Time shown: 1h15m50s
